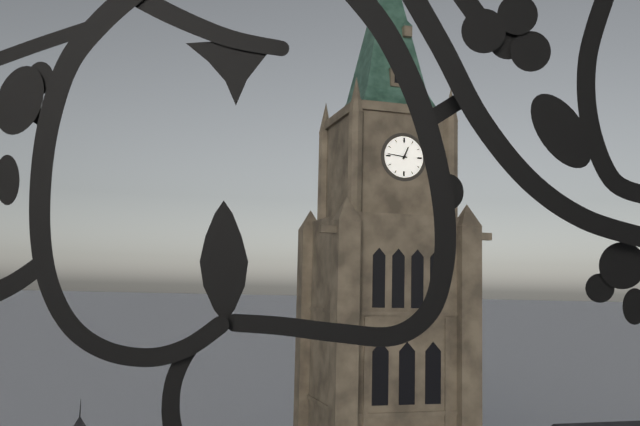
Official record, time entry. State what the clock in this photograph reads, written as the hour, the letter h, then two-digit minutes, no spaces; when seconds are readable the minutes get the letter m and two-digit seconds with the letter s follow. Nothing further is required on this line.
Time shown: 12h46
